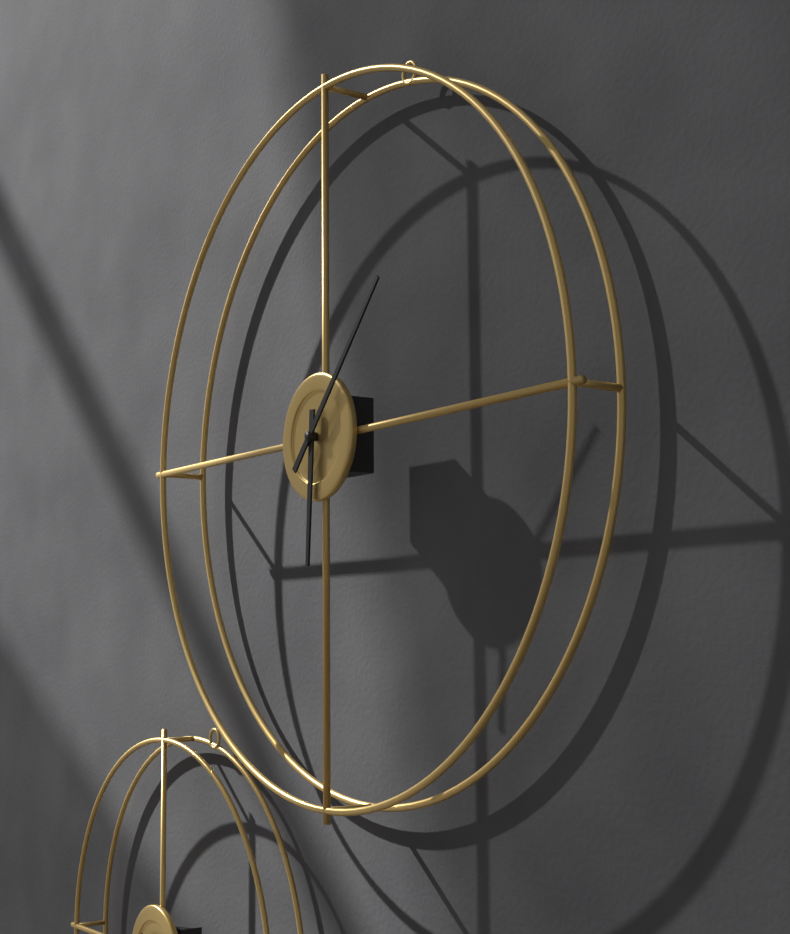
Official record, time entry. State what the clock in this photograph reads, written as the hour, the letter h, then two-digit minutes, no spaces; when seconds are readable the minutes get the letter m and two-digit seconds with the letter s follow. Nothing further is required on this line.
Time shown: 6h07
